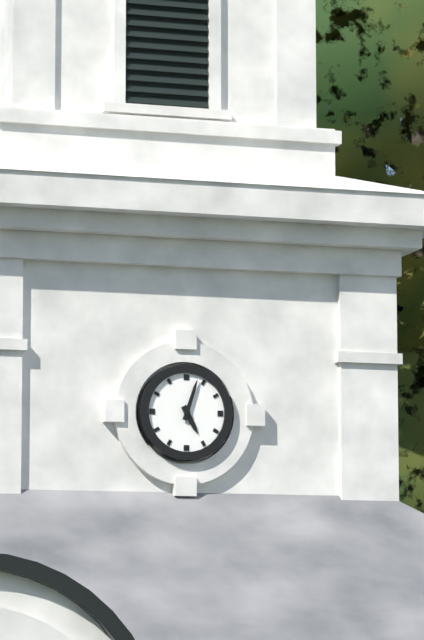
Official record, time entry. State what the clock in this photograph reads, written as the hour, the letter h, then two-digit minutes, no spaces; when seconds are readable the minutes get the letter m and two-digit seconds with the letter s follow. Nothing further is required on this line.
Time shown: 5h03
